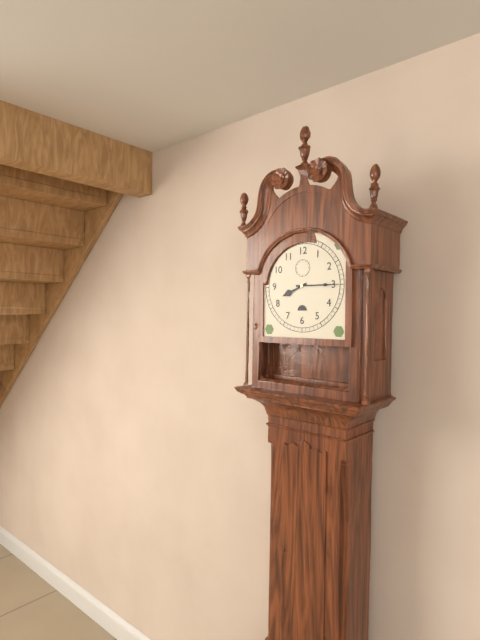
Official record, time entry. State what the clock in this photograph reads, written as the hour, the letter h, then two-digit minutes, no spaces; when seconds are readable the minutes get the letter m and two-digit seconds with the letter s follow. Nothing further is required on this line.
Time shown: 8h15
